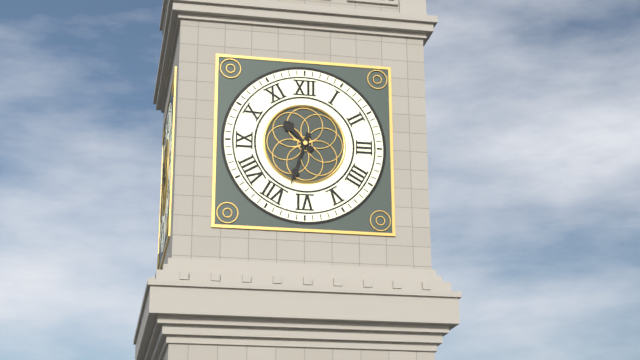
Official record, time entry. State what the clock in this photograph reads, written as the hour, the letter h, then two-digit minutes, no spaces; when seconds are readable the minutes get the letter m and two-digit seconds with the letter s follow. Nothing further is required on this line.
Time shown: 10h33
